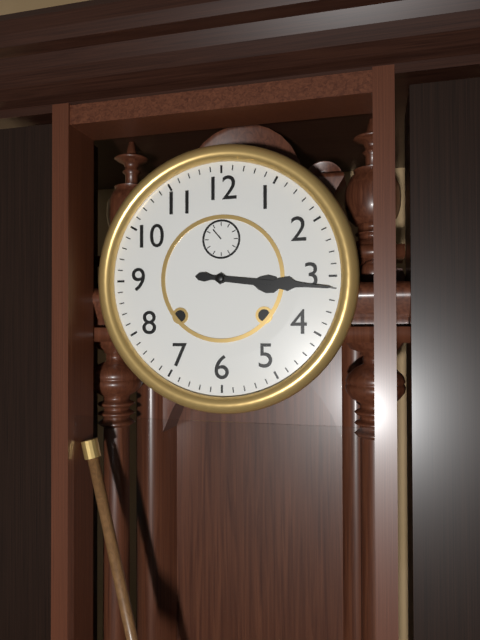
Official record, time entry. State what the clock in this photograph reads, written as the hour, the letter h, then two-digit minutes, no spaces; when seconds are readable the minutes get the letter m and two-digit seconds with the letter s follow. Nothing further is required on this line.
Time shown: 3h16
